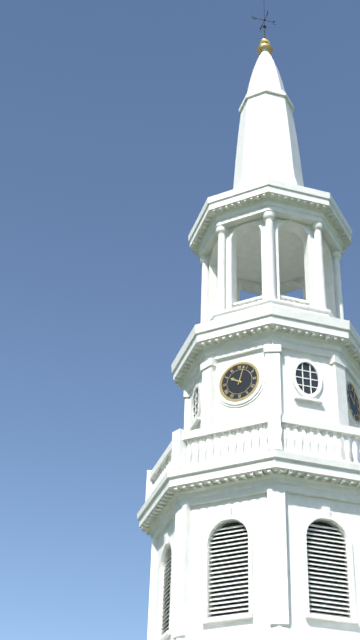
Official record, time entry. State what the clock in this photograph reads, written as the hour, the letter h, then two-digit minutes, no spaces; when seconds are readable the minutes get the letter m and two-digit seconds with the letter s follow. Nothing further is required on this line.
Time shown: 10h03
